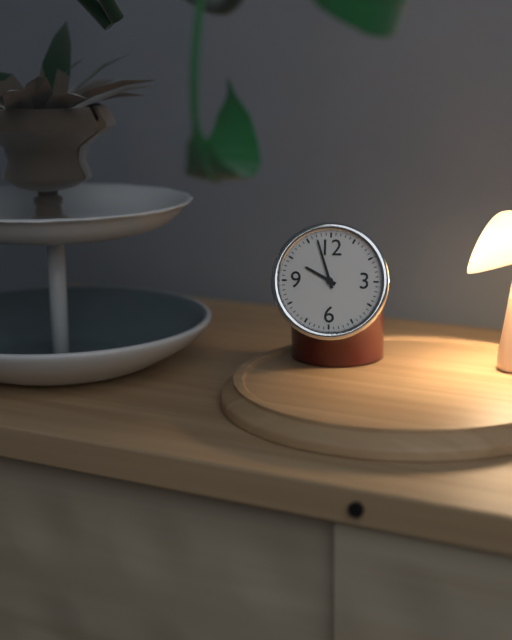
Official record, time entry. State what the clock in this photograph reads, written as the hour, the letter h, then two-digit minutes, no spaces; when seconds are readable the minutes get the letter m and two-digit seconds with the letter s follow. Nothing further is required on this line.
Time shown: 9h57
